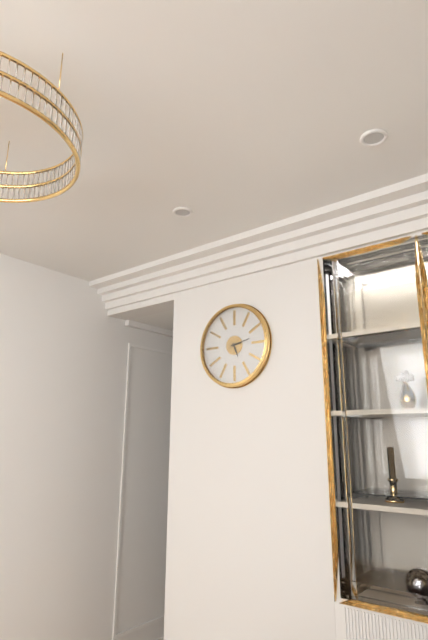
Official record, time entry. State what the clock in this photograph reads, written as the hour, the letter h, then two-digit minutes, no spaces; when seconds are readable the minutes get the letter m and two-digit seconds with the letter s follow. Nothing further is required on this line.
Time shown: 5h13
